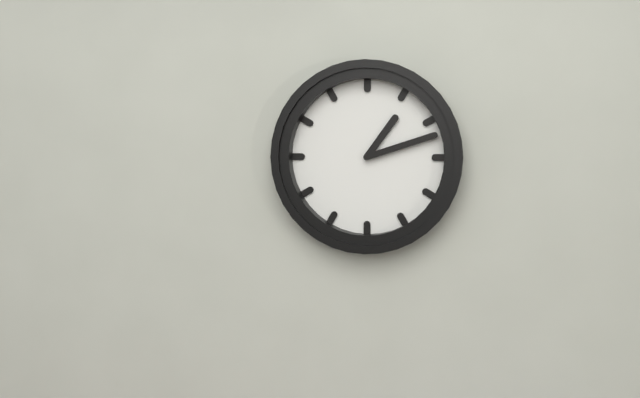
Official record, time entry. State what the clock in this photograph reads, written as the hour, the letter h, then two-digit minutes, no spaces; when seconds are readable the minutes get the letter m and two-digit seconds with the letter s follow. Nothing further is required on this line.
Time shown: 1h12
